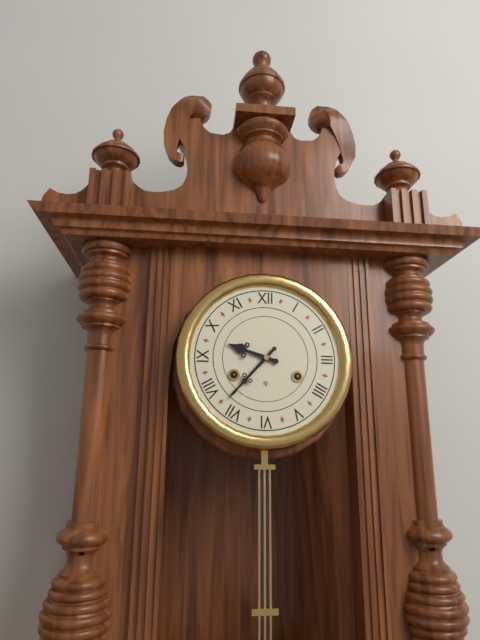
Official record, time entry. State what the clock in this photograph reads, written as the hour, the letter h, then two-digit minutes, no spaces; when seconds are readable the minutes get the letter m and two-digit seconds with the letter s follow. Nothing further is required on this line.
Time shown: 9h37
